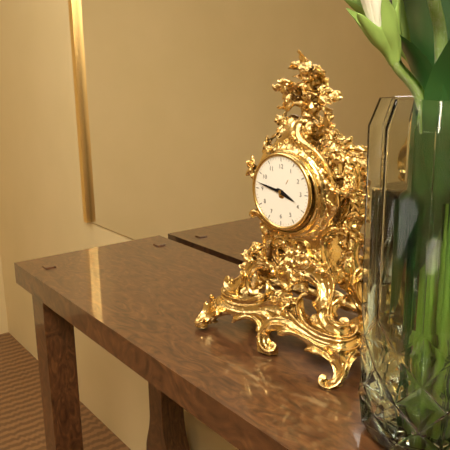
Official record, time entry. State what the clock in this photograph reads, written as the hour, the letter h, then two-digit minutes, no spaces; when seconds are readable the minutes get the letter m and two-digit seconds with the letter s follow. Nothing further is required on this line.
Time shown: 3h47
